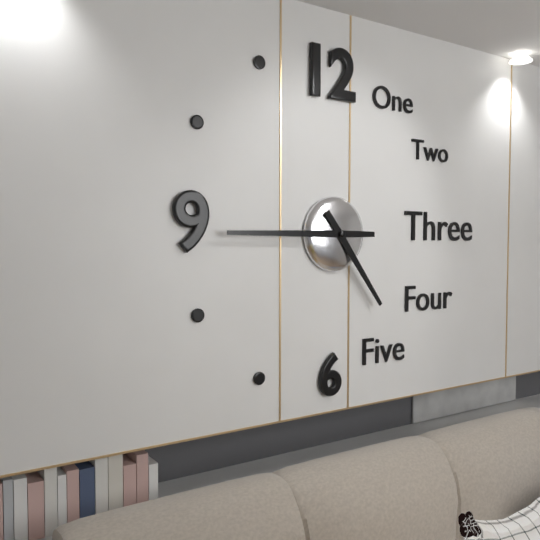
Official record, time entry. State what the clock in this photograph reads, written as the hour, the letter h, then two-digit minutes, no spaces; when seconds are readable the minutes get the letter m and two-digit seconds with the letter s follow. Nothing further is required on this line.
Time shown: 4h45
